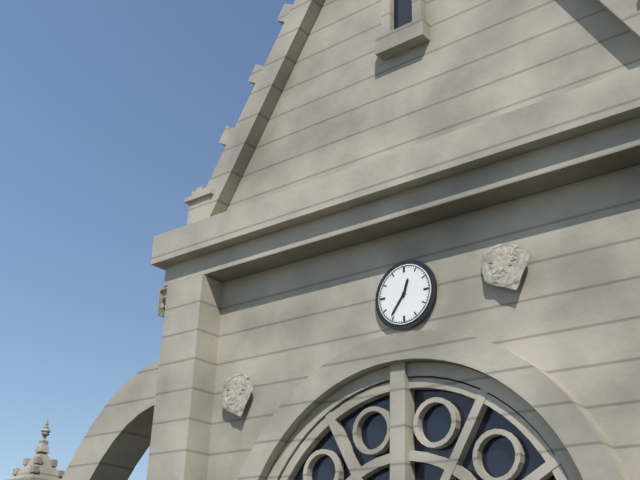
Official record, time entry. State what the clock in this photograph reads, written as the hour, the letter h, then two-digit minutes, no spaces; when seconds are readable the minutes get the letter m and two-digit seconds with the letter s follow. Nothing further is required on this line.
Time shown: 12h36
